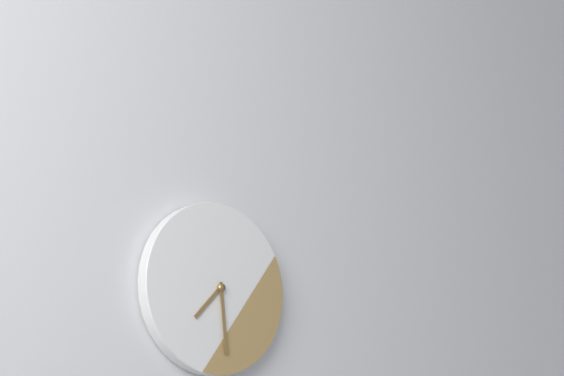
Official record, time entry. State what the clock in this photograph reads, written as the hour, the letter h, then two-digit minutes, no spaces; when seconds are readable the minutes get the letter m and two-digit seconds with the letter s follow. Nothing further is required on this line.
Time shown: 7h29
